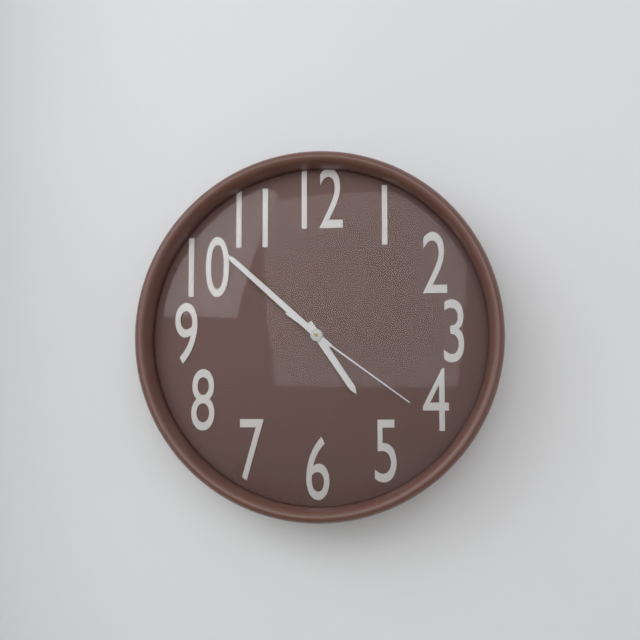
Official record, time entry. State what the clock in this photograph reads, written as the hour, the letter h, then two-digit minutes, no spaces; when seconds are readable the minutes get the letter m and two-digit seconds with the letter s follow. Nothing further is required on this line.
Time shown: 4h52m21s
